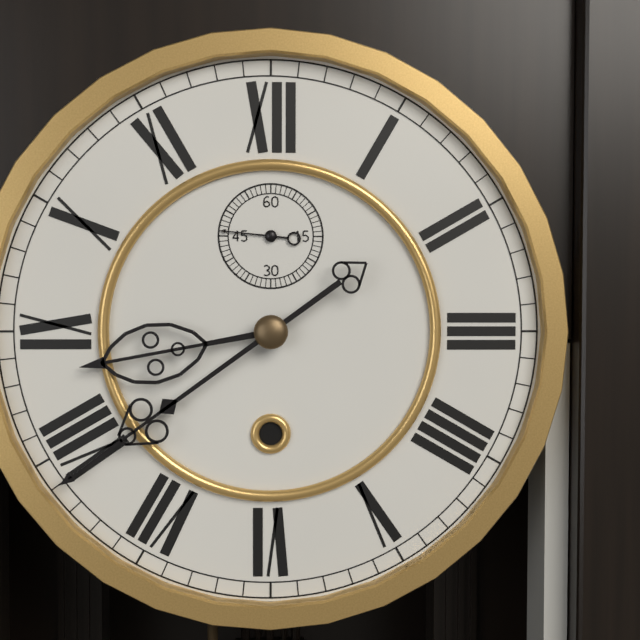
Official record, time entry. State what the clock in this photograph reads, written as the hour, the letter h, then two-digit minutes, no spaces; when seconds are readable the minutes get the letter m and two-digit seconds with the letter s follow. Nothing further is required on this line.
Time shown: 8h39m46s
